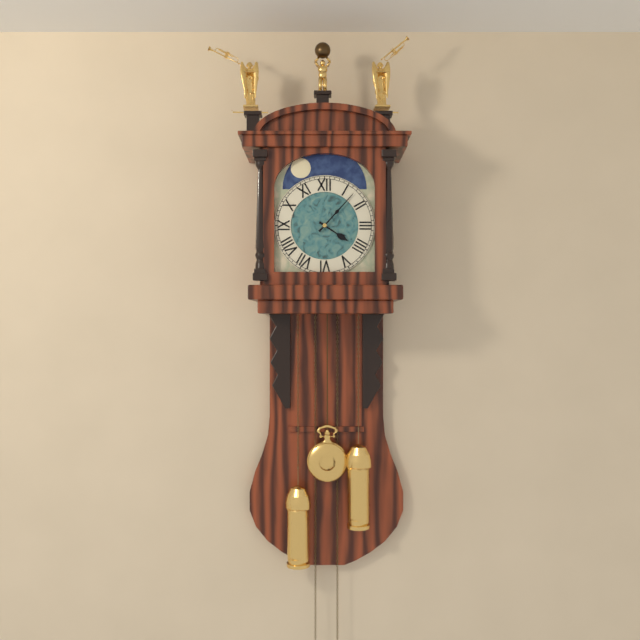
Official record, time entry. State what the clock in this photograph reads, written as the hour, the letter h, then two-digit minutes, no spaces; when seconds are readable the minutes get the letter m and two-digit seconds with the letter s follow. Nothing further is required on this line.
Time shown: 4h07
